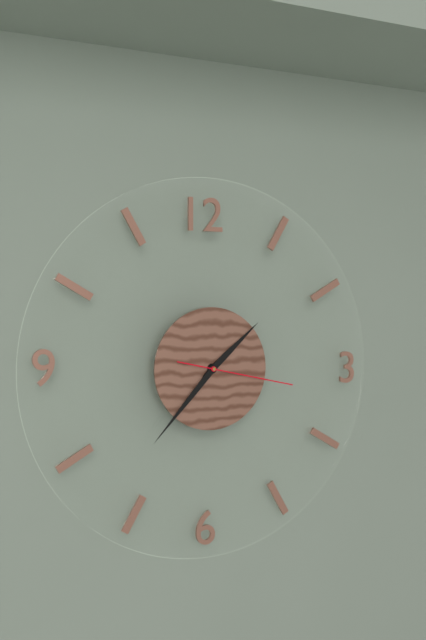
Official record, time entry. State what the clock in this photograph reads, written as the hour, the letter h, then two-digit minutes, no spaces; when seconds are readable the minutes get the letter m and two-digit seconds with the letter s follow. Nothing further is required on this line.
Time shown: 1h37m17s
